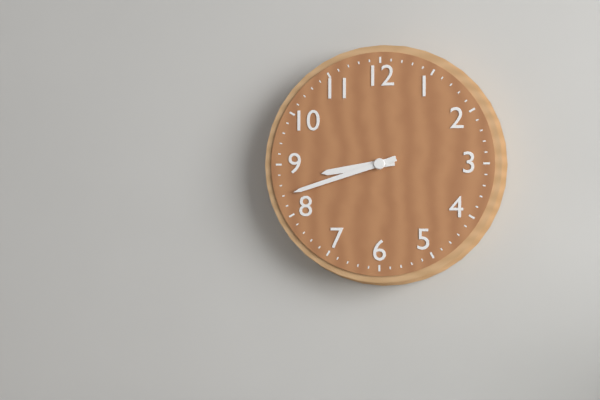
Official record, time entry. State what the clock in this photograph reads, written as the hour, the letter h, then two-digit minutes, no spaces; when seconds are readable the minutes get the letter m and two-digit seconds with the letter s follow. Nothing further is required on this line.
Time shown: 8h42
